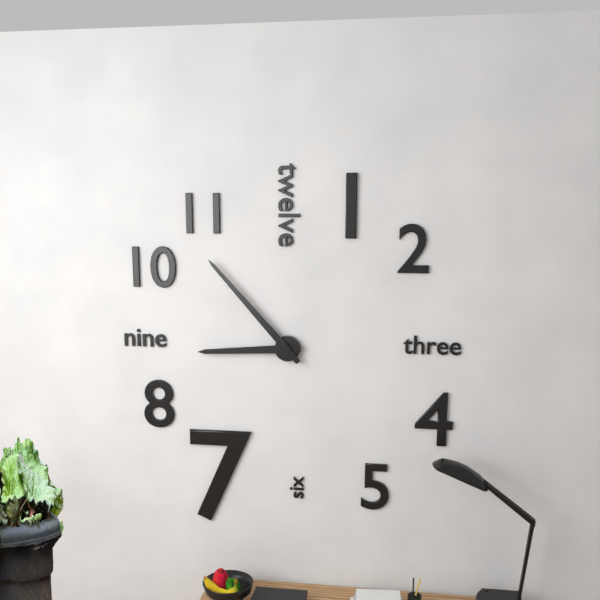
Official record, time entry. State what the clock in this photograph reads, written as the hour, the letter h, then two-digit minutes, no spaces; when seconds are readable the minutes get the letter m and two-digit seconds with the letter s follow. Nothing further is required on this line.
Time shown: 8h53
